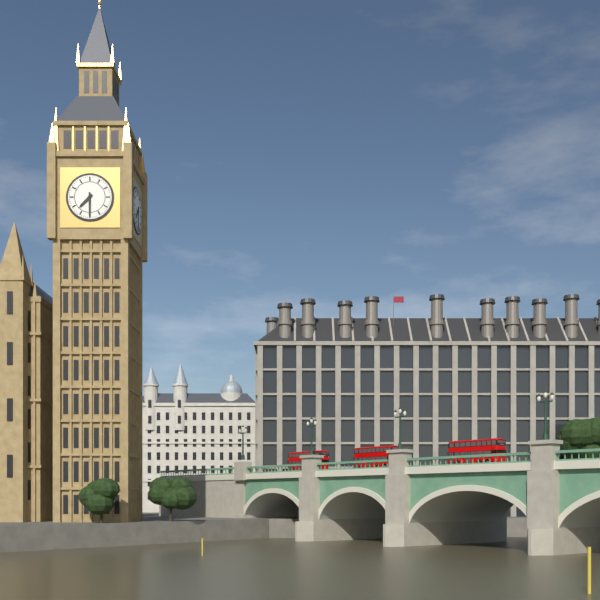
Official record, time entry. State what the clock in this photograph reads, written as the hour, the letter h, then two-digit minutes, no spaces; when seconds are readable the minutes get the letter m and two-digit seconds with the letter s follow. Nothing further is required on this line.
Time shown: 7h30
